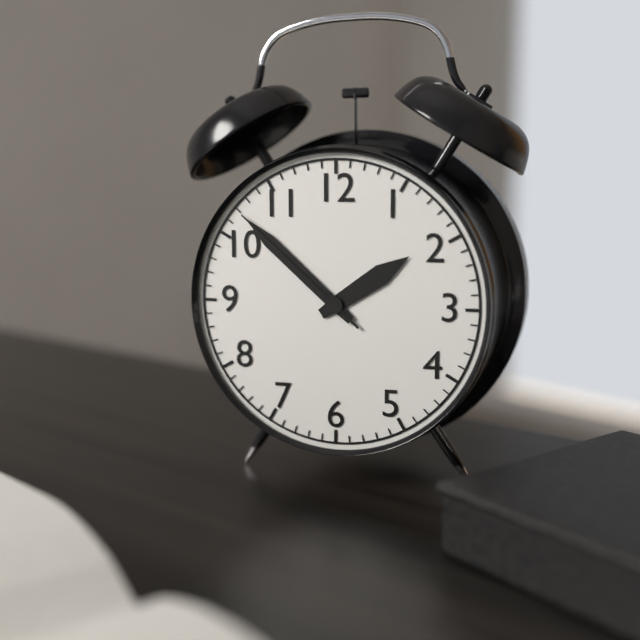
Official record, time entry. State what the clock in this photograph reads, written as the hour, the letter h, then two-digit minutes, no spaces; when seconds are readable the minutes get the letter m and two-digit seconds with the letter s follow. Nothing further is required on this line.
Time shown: 1h52m52s
